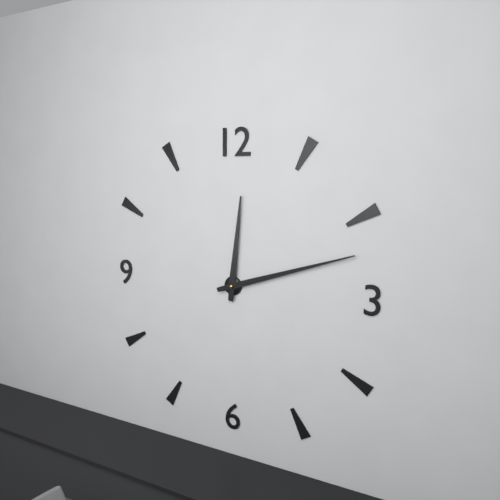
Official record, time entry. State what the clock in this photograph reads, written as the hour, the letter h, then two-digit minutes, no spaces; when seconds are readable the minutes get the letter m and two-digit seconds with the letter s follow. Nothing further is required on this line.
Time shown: 12h12
